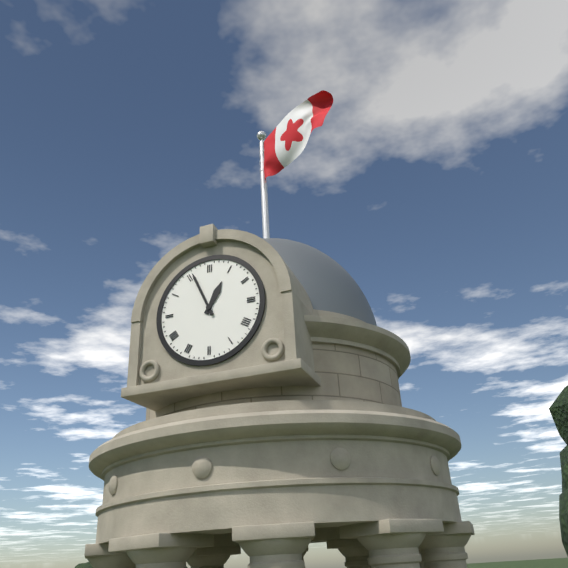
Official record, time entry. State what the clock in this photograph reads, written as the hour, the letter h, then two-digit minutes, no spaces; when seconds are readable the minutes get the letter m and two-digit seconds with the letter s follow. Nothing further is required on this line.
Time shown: 12h56
